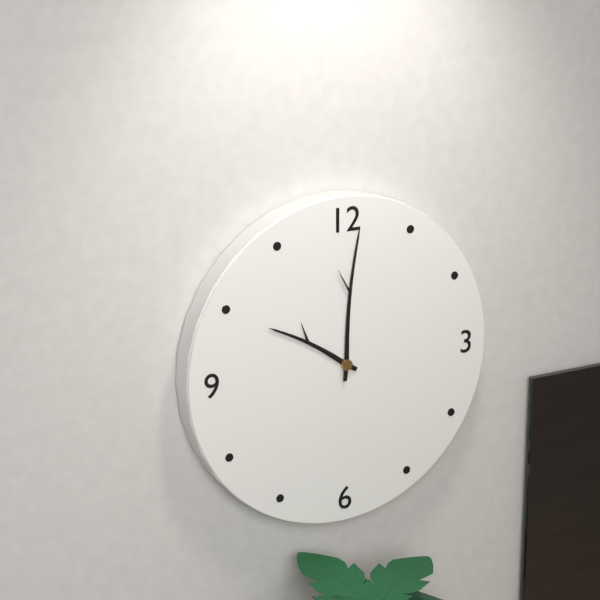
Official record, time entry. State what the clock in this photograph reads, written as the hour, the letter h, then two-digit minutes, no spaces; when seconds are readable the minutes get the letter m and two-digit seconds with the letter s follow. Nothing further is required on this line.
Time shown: 10h01
